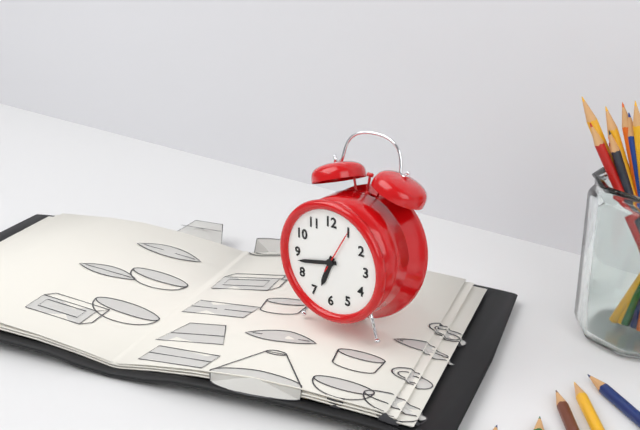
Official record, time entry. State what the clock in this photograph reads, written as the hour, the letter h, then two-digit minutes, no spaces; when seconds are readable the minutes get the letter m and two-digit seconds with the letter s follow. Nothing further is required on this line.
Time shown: 6h43
